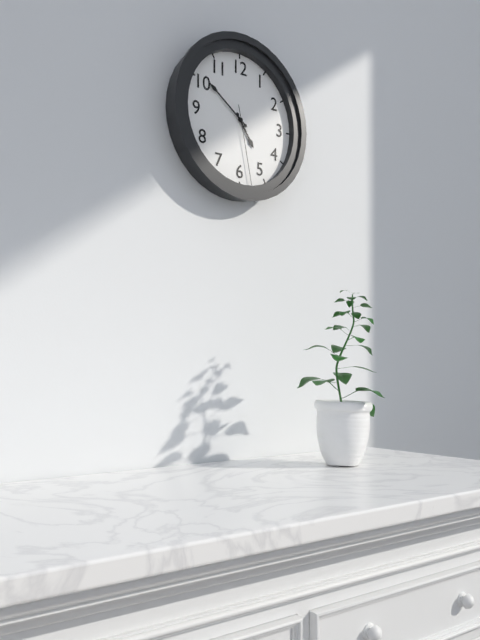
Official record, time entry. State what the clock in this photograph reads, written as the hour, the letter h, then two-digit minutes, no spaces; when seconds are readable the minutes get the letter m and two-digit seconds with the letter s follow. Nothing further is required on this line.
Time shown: 4h51m28s
